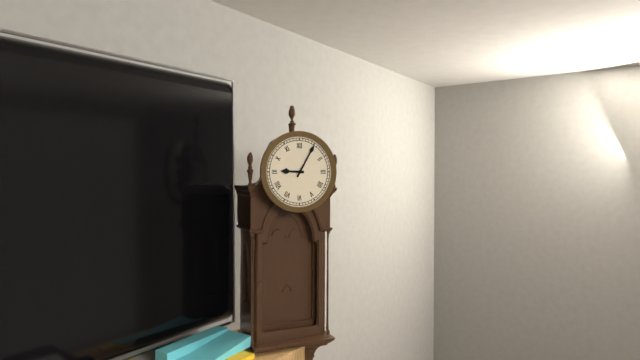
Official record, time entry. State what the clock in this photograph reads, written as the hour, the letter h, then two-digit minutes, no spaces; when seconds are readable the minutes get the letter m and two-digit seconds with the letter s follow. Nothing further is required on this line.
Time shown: 9h05
